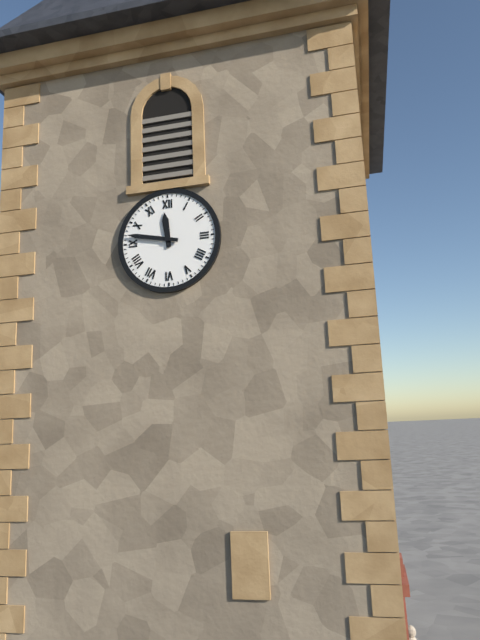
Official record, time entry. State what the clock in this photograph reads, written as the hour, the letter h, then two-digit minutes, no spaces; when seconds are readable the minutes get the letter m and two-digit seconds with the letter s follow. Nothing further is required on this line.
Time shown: 11h47
